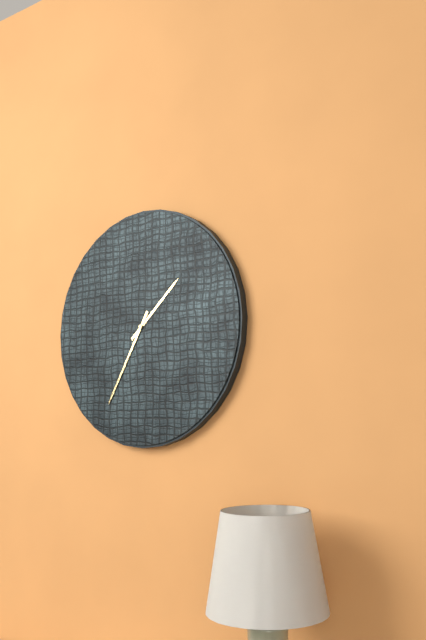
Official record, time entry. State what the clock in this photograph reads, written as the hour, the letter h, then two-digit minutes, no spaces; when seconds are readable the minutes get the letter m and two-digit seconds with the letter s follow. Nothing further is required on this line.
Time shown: 1h35
